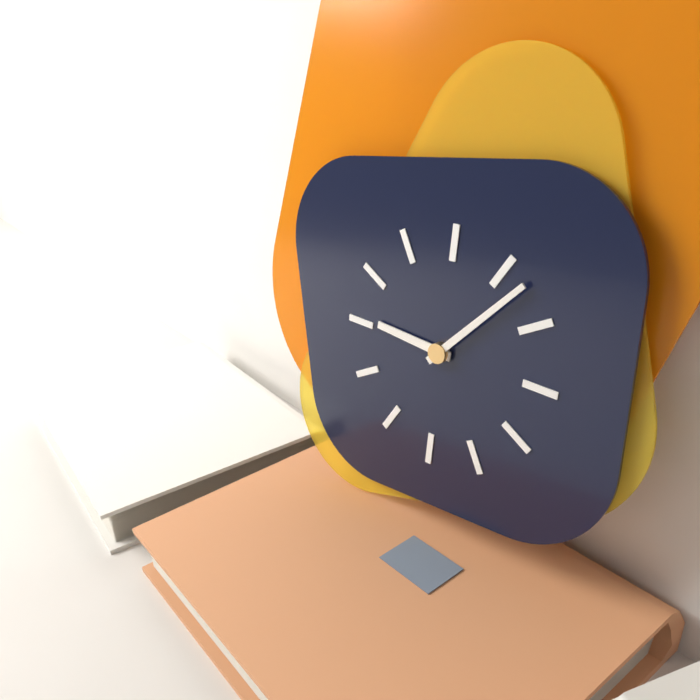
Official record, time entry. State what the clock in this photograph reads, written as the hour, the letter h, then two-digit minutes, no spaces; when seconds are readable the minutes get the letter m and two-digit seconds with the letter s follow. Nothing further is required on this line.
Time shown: 9h07
